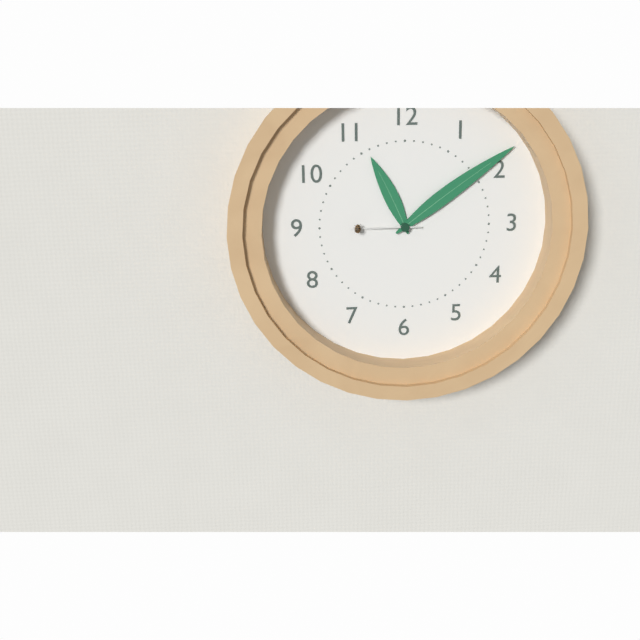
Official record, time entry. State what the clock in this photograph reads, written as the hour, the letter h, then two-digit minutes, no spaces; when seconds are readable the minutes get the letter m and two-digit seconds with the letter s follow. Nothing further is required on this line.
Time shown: 11h09m45s
